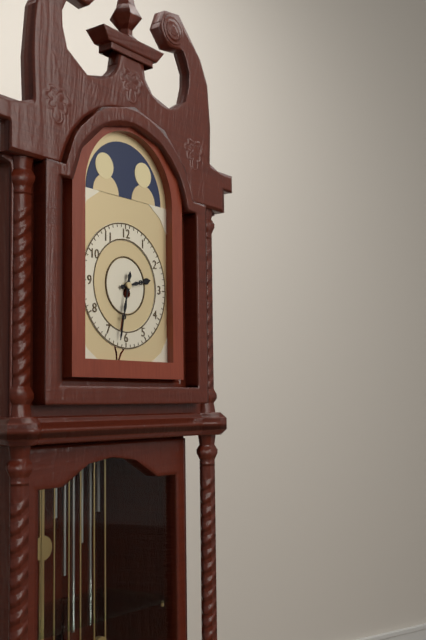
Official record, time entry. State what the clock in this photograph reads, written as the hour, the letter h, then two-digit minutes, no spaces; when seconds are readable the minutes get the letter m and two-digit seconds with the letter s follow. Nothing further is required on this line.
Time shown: 2h32
